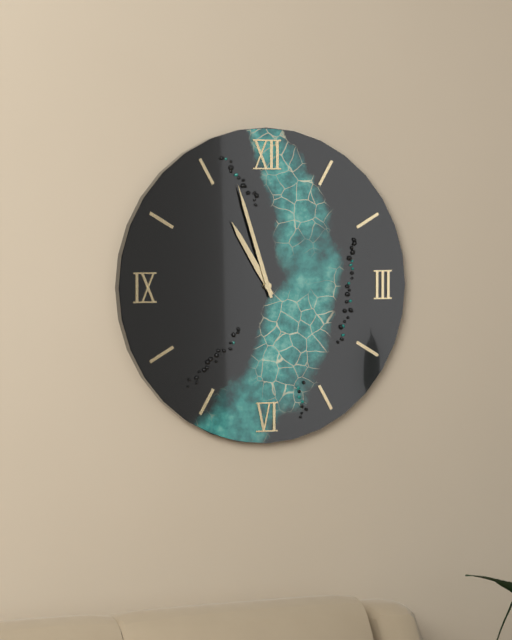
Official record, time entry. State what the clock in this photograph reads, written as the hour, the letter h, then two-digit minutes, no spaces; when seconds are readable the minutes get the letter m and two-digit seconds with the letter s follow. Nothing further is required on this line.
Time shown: 10h57
